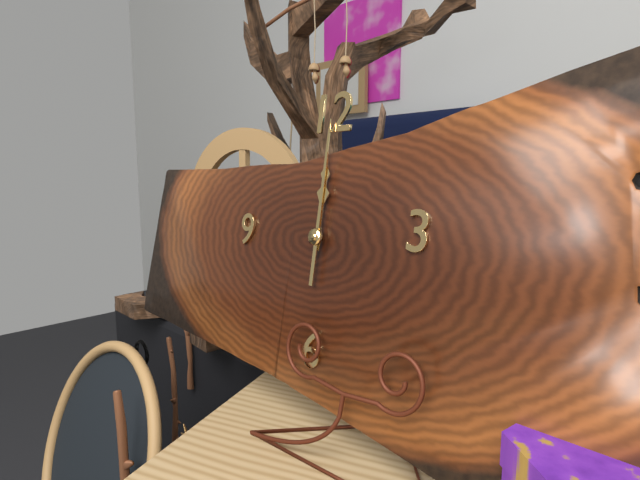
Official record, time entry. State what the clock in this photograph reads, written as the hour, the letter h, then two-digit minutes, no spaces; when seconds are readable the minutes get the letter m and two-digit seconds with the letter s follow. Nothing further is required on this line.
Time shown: 12h00
